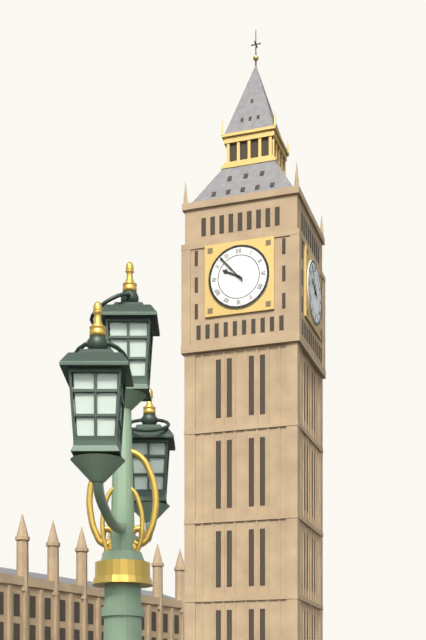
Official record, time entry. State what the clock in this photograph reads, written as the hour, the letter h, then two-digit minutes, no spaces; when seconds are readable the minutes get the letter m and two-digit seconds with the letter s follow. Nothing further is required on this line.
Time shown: 9h53
